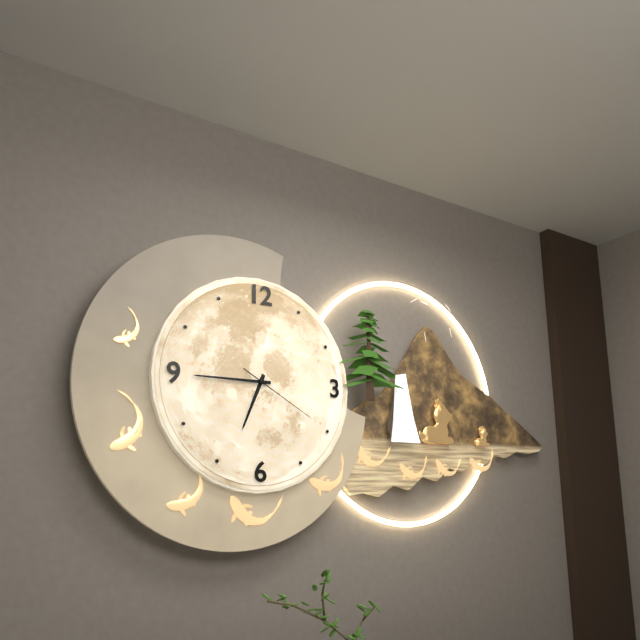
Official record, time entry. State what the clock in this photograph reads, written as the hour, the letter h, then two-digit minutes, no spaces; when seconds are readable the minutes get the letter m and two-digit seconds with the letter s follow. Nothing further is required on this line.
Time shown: 6h45m20s
